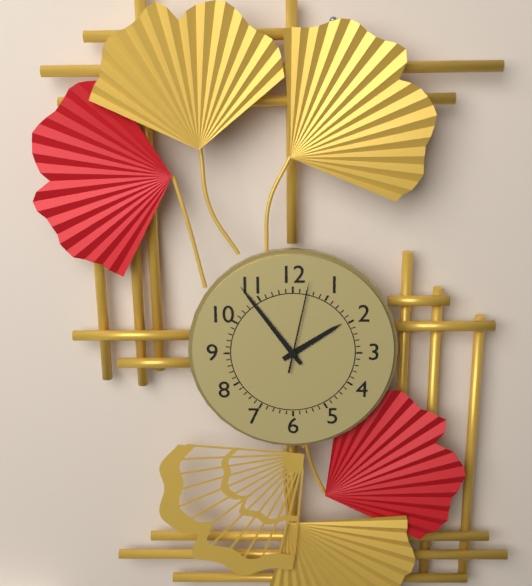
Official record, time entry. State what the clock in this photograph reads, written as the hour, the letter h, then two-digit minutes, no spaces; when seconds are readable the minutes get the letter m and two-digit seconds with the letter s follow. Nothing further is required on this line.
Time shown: 1h54m02s
